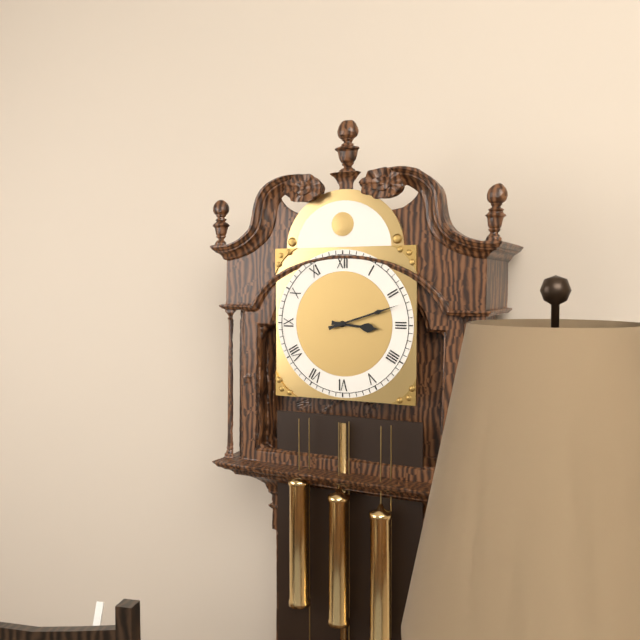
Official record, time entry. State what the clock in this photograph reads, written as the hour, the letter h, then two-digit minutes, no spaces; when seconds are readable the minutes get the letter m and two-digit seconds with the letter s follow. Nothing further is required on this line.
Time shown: 3h12
